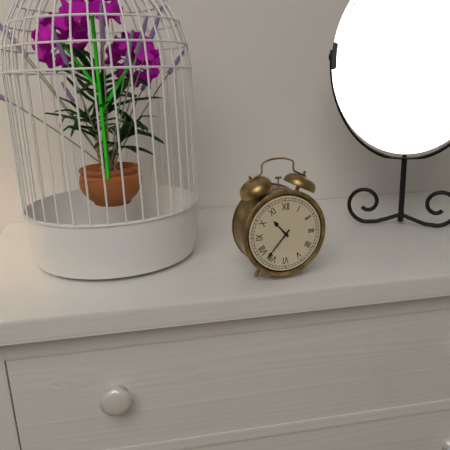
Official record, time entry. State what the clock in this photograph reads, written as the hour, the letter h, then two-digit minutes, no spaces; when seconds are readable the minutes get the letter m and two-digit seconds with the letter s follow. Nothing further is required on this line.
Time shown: 10h37
